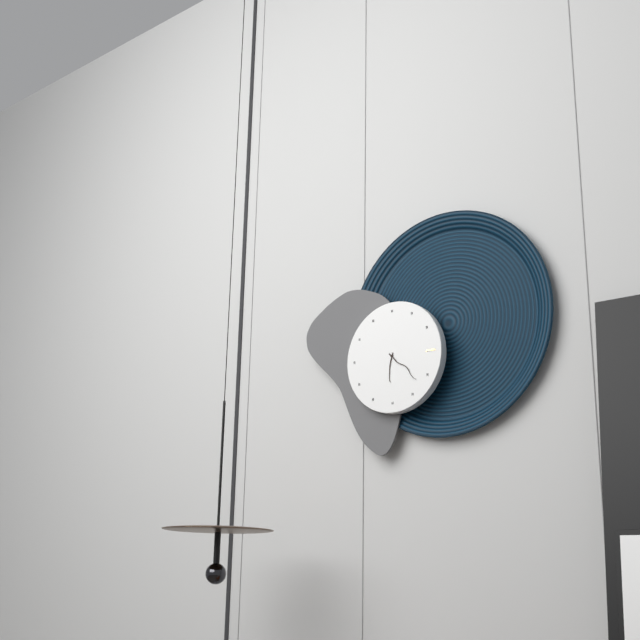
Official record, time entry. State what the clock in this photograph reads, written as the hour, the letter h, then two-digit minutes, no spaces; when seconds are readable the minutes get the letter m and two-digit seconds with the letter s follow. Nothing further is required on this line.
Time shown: 6h22
